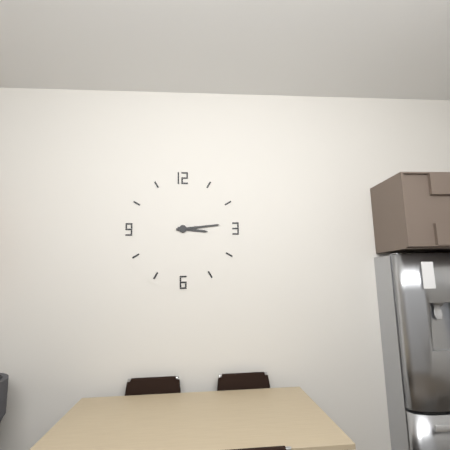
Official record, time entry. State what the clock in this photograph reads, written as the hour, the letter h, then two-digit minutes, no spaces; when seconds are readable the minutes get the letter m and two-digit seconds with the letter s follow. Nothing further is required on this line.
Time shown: 3h14
